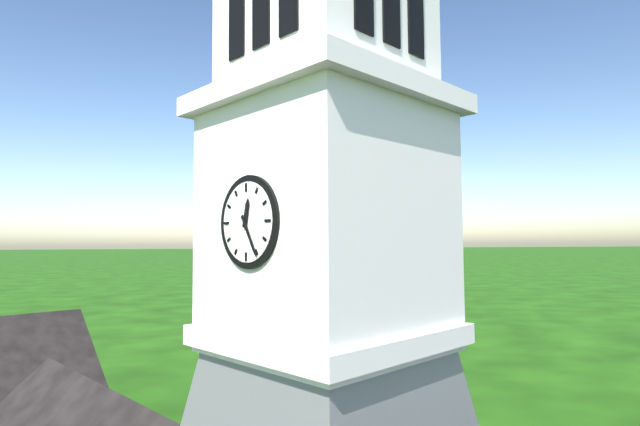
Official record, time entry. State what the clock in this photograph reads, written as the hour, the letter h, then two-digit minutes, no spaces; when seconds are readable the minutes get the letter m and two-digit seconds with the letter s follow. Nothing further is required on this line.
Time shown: 12h25
